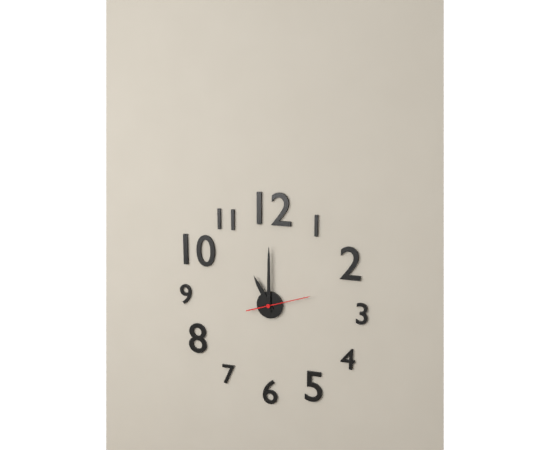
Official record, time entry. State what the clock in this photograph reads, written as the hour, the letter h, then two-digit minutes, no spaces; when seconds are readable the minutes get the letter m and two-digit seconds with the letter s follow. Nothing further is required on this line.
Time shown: 11h00m12s
